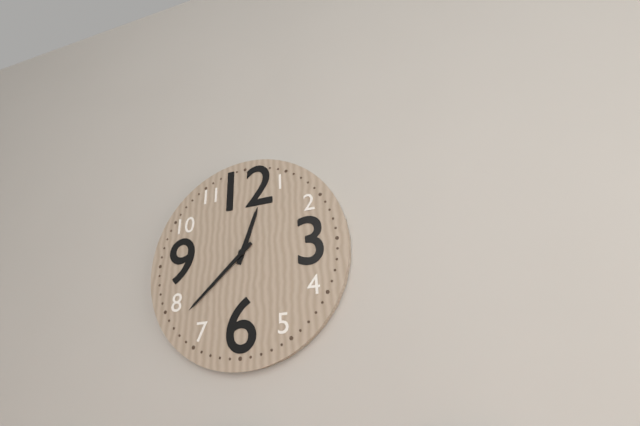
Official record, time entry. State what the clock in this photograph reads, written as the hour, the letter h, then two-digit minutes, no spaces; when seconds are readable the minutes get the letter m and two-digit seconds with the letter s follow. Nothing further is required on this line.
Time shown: 12h38
